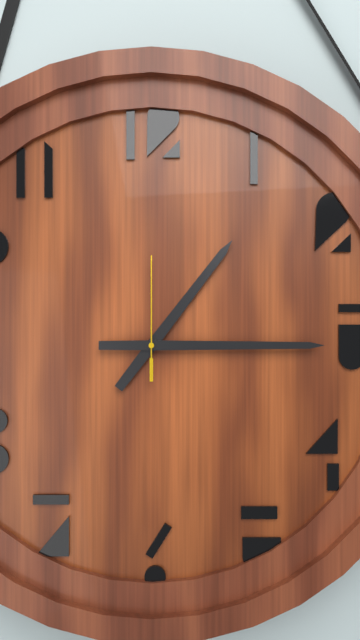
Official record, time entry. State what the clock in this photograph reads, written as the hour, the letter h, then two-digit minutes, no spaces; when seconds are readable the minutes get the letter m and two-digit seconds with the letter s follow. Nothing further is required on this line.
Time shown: 1h15m00s
